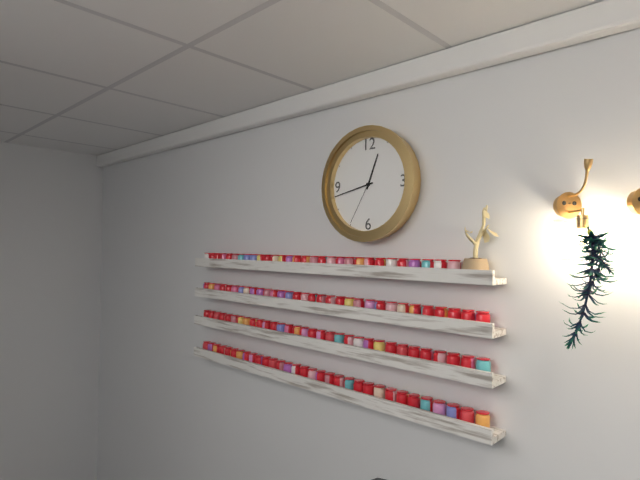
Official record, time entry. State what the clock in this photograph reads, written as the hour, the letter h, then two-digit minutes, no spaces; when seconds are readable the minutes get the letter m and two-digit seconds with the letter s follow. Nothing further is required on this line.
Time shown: 12h43m35s
